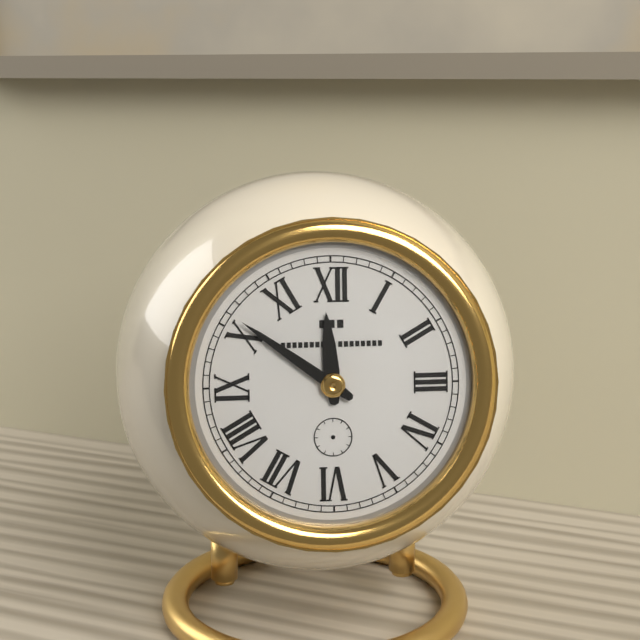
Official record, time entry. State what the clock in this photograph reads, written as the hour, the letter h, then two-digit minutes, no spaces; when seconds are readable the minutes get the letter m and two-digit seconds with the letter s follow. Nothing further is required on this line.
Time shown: 11h51
